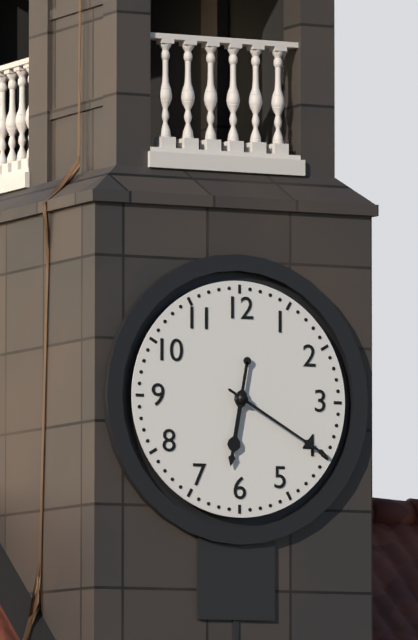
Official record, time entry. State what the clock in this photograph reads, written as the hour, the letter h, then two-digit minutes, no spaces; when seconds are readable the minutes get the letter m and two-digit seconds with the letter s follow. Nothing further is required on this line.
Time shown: 6h20
